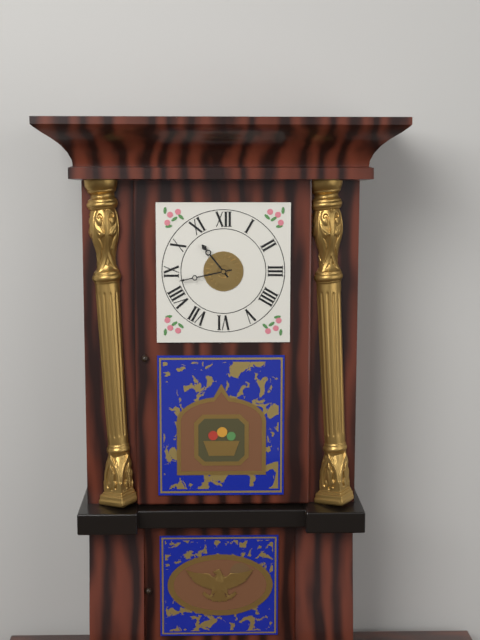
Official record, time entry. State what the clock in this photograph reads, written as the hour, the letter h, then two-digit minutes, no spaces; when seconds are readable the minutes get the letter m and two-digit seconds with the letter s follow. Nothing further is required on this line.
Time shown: 10h43
